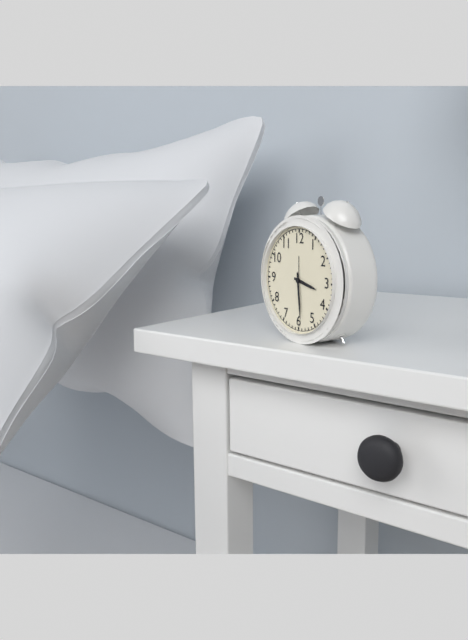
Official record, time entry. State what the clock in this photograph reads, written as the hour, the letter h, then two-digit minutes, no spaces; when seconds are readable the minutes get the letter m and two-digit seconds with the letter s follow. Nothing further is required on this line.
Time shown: 3h29
